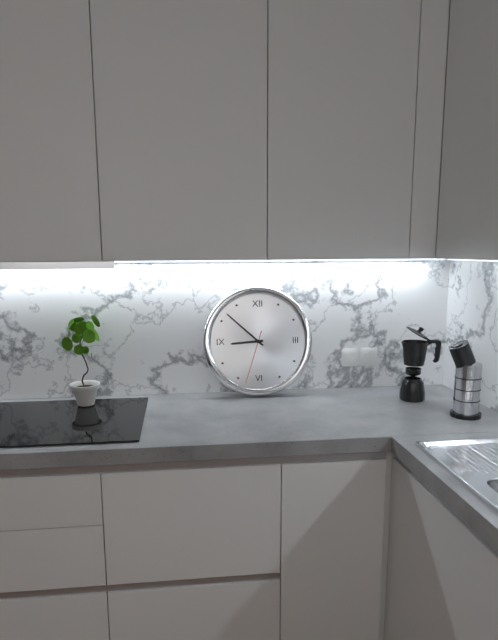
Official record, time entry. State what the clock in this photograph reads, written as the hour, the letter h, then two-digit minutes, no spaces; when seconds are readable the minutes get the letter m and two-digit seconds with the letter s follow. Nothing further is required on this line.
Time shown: 8h52m33s
